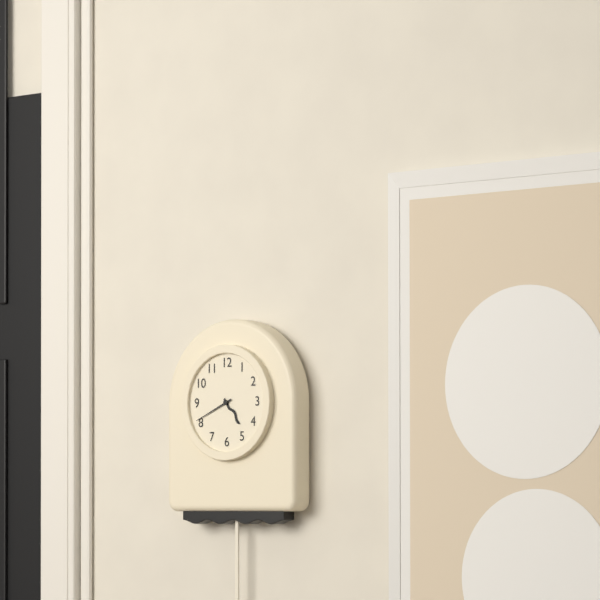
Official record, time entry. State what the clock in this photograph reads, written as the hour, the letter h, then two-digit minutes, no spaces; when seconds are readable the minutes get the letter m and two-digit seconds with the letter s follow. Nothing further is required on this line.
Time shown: 4h41
